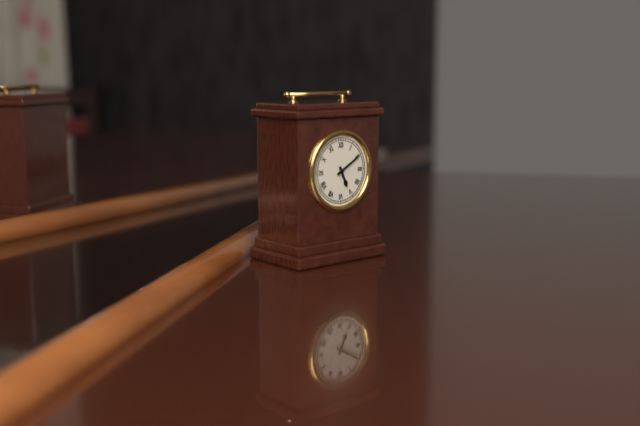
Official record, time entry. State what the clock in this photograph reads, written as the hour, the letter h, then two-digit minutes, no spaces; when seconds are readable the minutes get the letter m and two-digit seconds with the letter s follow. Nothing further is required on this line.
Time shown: 5h10
